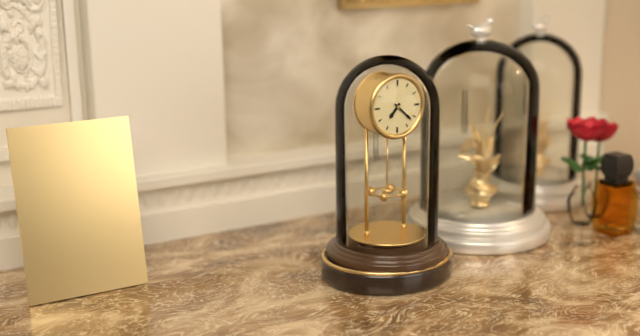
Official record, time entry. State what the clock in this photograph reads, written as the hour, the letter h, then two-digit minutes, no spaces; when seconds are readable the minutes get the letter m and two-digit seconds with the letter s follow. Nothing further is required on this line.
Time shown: 7h22
